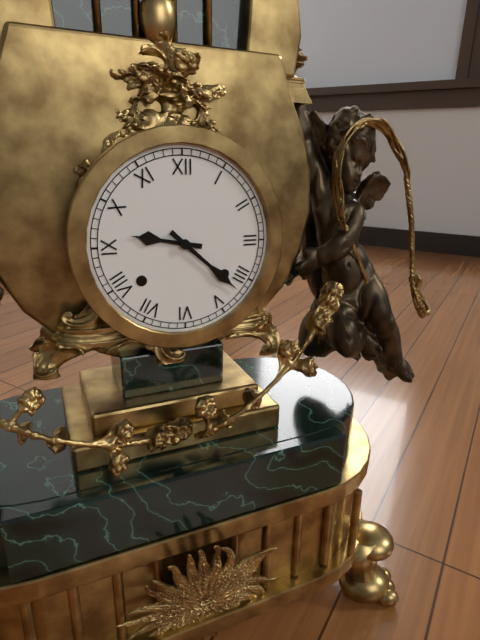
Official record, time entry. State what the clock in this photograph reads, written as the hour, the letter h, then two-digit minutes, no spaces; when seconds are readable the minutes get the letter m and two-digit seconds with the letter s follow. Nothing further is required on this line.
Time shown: 9h22
